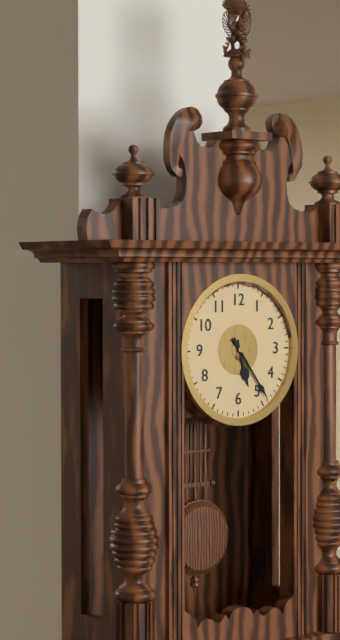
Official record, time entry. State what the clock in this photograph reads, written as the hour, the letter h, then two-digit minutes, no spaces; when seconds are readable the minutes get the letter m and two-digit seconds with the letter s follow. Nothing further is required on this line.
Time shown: 5h24
